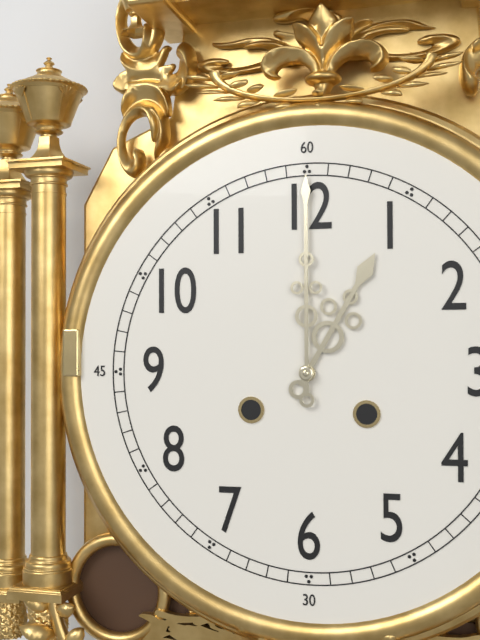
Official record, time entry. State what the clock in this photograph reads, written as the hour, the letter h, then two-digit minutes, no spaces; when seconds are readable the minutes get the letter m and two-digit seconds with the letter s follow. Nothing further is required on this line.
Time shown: 1h00
